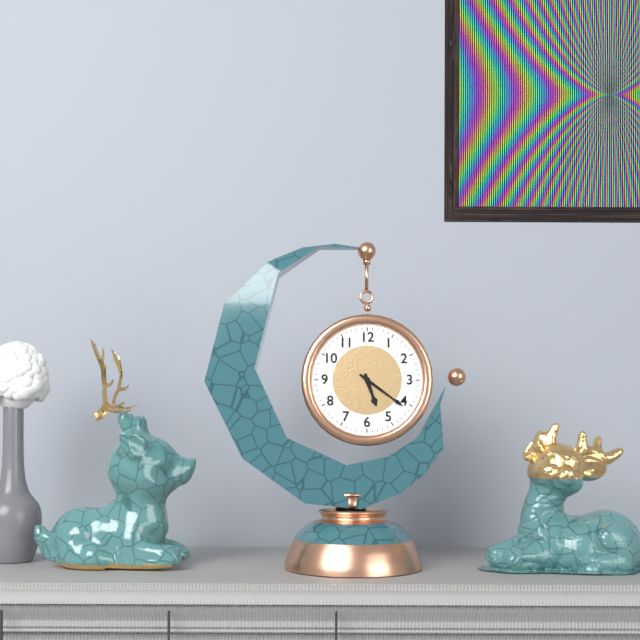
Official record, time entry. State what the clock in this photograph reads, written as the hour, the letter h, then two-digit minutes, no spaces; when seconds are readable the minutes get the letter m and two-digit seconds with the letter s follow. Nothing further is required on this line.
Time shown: 5h21
